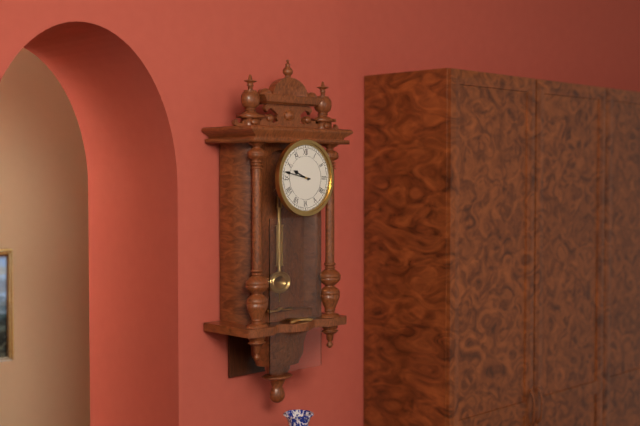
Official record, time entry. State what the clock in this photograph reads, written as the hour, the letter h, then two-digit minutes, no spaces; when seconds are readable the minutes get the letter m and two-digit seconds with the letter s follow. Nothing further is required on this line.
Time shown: 9h47
